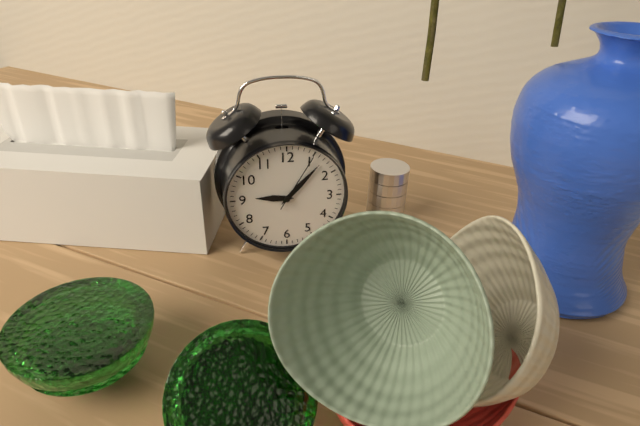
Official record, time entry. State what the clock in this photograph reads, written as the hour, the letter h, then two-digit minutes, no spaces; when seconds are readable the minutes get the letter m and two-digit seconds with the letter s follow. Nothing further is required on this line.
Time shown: 9h07m05s
